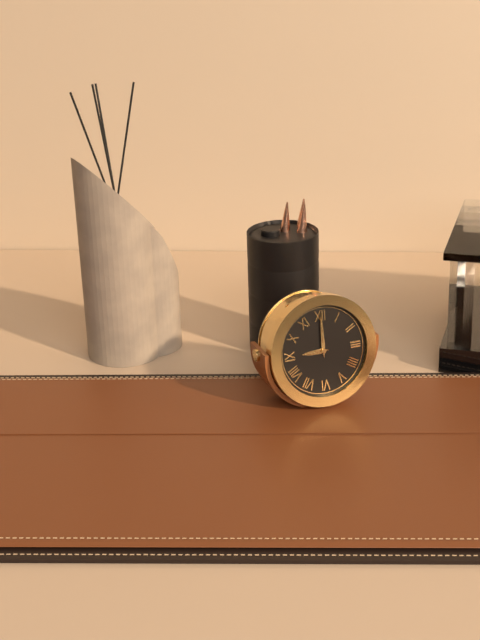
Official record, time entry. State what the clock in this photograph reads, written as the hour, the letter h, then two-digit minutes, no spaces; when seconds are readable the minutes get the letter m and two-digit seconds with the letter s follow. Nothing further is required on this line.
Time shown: 9h00
